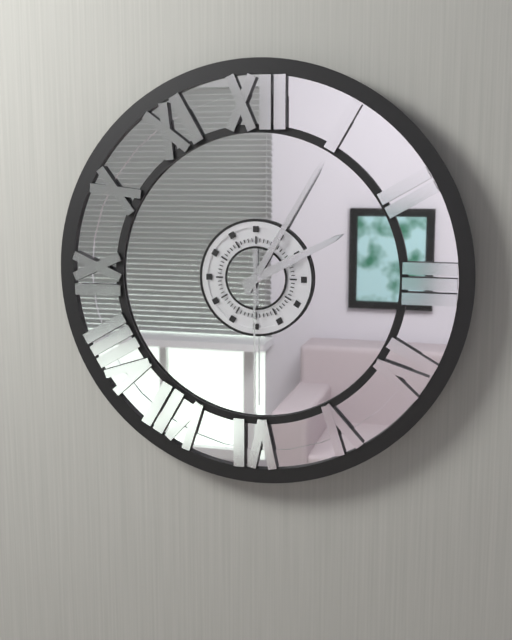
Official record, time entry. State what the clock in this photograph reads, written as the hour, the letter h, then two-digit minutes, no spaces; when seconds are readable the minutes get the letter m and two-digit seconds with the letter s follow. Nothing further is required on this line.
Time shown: 2h05m30s
